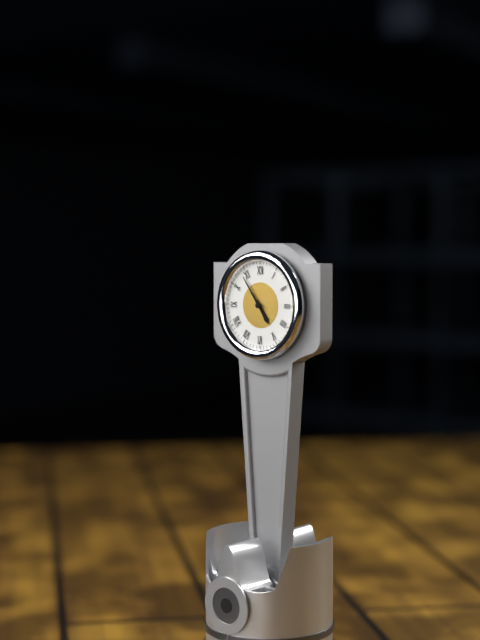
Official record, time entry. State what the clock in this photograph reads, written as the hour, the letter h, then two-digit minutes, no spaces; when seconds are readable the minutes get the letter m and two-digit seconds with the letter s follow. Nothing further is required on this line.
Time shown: 4h54
